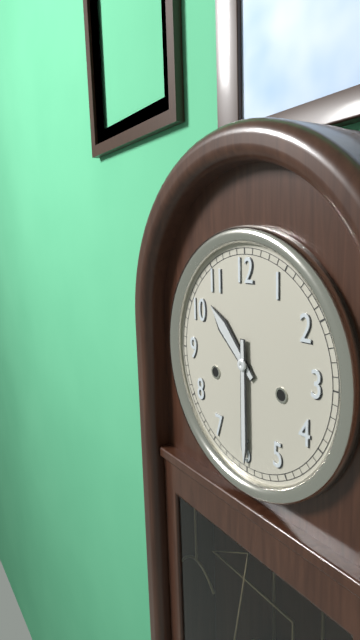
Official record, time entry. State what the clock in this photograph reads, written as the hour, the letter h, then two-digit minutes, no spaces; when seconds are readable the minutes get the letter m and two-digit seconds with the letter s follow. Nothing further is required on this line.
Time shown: 10h30
